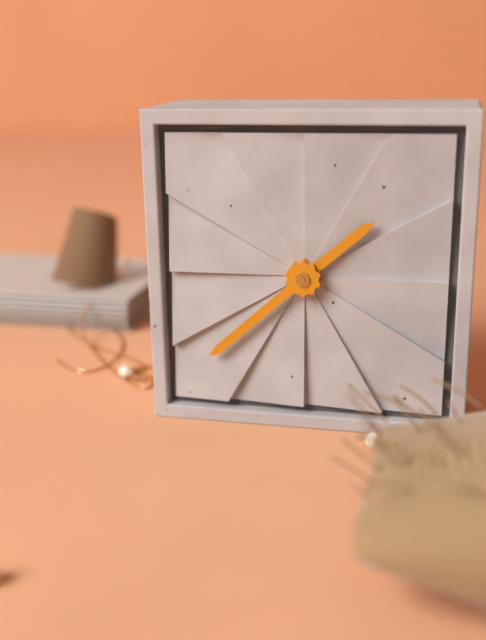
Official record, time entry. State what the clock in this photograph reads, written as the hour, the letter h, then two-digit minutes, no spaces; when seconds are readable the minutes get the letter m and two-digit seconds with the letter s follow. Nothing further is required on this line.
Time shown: 1h38
